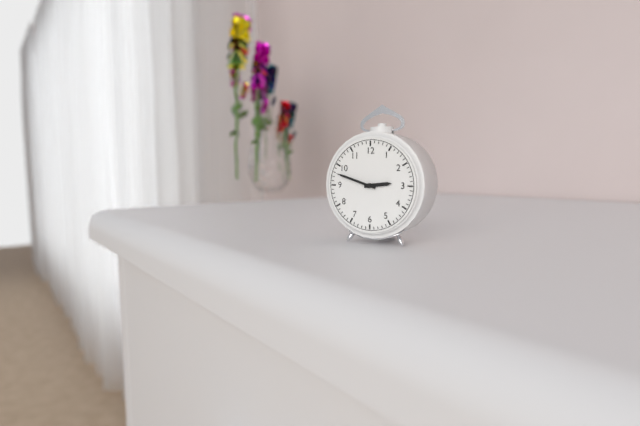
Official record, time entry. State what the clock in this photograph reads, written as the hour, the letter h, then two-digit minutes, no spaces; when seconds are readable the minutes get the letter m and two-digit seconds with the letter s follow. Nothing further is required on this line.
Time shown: 2h48
